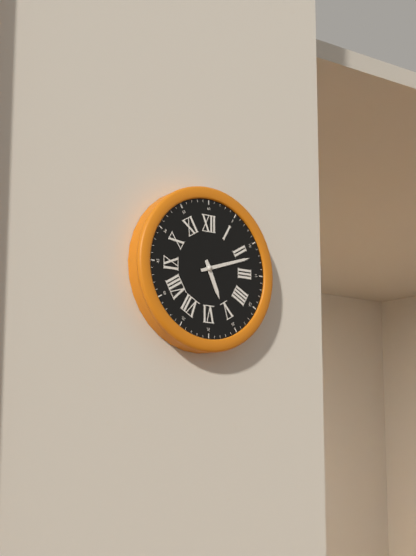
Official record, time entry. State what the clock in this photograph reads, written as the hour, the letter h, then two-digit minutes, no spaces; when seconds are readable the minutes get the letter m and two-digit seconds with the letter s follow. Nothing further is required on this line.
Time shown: 5h12
